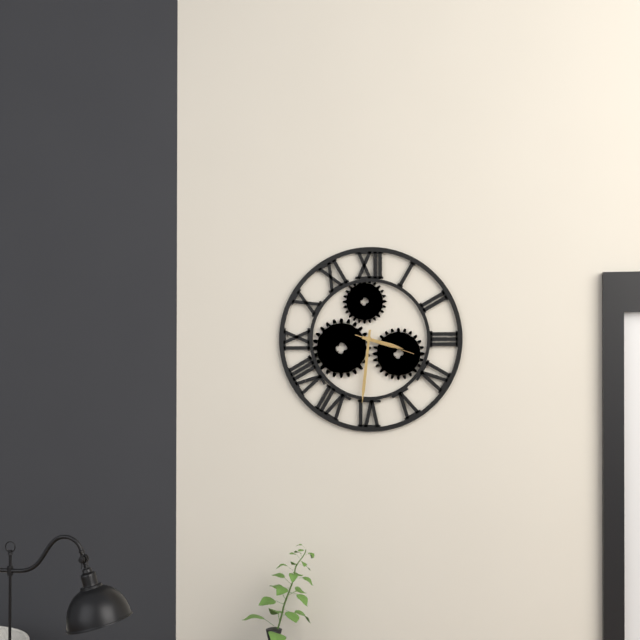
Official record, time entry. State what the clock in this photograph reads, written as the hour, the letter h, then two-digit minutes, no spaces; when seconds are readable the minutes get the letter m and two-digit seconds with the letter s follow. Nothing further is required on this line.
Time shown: 3h31m18s
